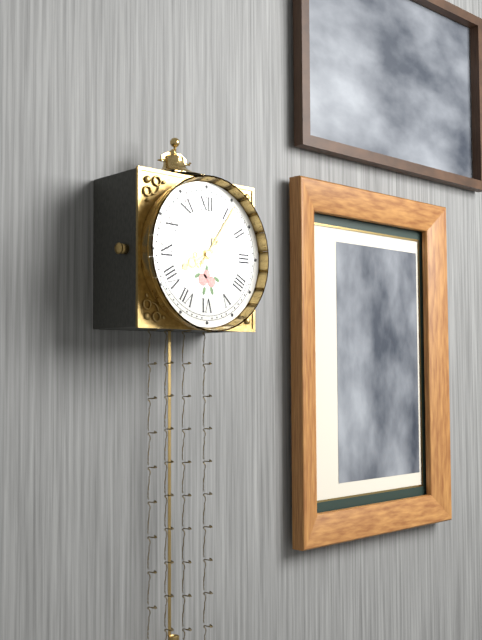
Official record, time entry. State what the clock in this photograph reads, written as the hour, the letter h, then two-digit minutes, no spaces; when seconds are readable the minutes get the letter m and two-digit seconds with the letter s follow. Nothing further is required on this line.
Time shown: 8h06
